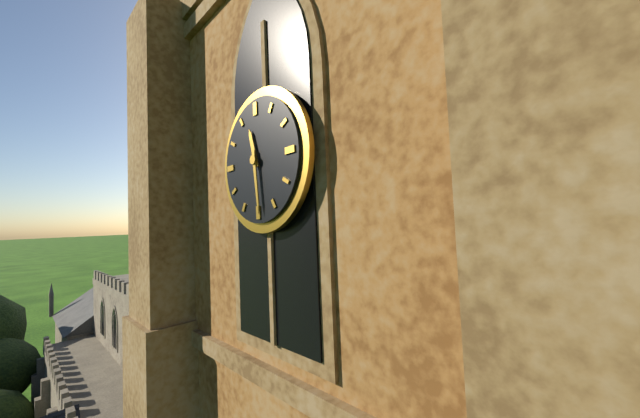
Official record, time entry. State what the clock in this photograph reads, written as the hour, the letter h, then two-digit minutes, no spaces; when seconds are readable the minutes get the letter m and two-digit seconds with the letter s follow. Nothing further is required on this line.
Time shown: 11h29
